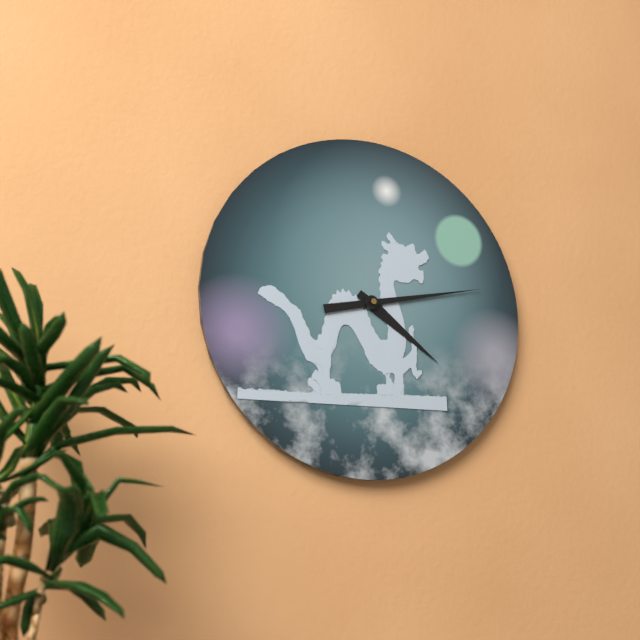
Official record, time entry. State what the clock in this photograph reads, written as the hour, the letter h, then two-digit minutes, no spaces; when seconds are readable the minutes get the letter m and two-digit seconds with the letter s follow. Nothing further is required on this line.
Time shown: 4h13
